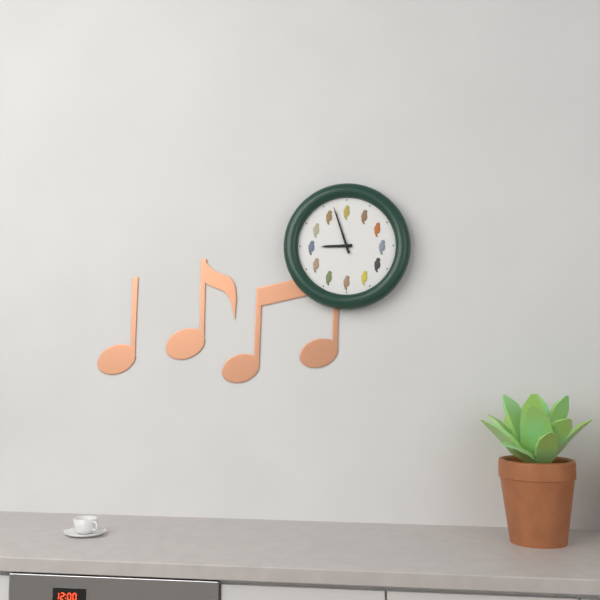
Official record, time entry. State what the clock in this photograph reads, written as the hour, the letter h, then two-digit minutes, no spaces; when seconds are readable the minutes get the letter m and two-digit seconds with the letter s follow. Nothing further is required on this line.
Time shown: 8h57
